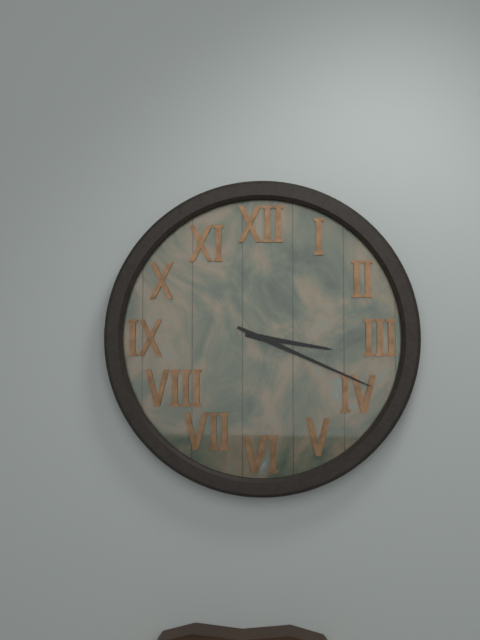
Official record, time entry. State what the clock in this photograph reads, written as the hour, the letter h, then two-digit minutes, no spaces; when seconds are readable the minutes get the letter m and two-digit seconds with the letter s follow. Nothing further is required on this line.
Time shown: 3h19
